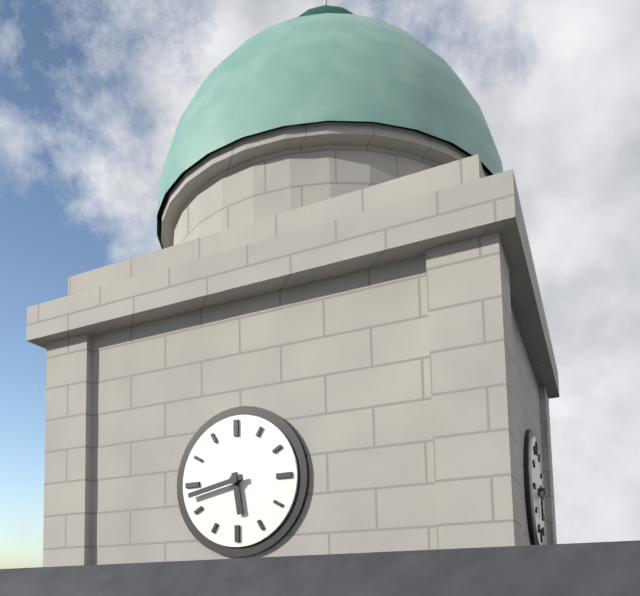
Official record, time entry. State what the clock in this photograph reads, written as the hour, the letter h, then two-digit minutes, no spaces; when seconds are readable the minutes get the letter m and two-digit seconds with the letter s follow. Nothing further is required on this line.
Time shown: 5h43
